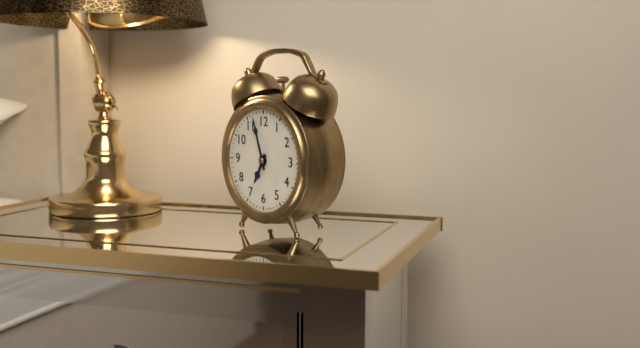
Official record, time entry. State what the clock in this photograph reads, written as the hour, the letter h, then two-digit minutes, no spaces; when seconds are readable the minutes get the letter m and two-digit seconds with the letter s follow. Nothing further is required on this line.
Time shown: 6h57
